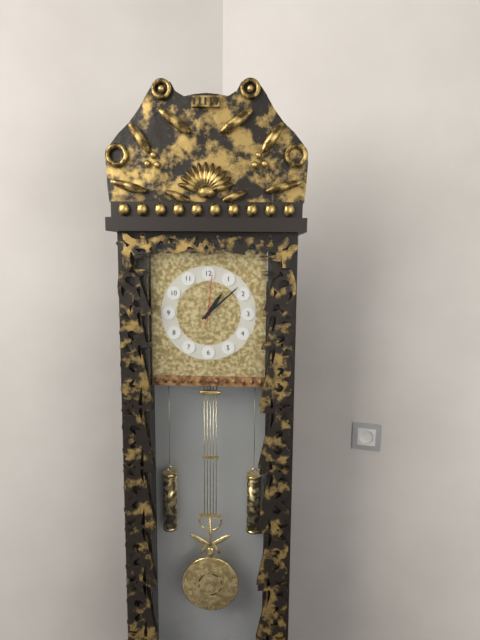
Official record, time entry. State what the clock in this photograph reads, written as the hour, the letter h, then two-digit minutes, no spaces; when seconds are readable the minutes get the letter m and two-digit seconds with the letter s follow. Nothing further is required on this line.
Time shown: 1h08m01s
